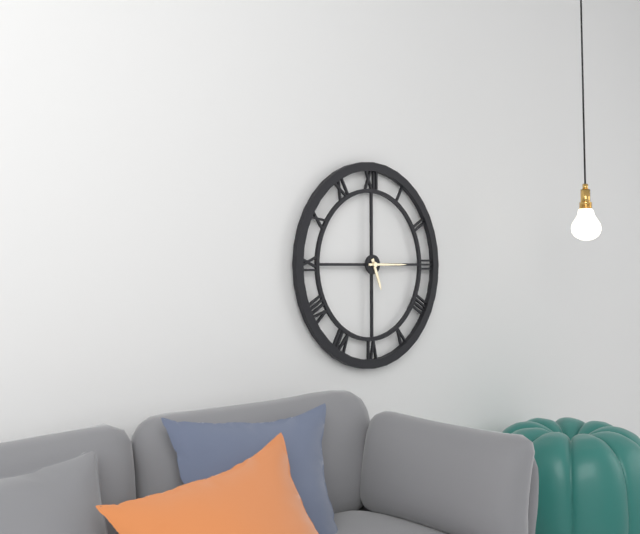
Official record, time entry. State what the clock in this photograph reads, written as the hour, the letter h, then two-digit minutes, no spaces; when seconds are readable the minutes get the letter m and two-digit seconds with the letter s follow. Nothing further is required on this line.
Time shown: 5h15
